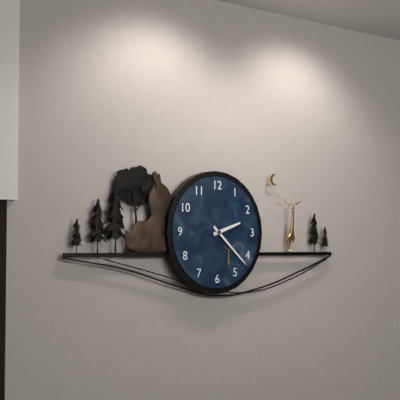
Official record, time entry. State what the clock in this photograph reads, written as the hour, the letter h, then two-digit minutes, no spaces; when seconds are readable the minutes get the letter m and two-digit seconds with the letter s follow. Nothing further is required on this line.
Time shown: 2h22
